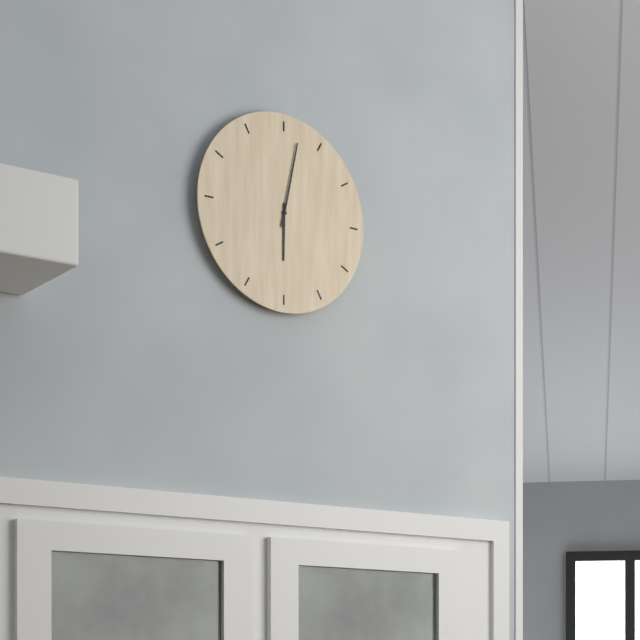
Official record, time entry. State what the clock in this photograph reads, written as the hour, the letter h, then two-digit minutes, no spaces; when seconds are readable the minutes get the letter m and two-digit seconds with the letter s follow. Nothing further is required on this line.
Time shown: 6h02
